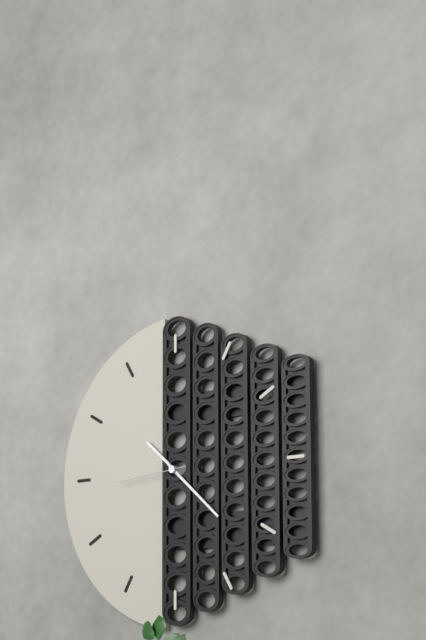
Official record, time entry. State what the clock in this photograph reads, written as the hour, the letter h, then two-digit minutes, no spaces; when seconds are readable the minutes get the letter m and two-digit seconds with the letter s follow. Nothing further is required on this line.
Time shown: 10h22m44s
